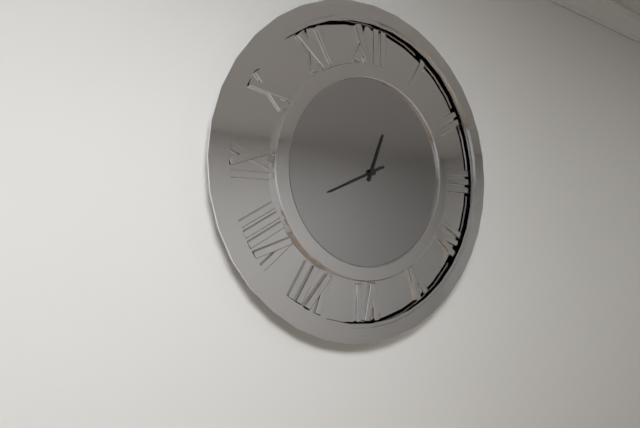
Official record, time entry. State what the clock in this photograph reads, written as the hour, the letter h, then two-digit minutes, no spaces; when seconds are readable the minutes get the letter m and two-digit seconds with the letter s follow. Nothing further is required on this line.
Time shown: 12h41
